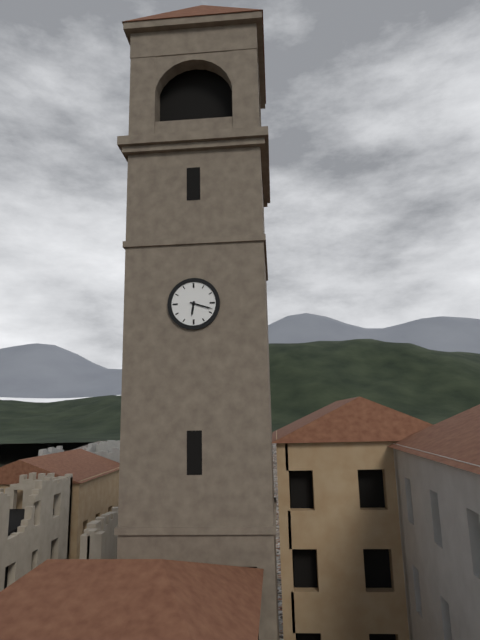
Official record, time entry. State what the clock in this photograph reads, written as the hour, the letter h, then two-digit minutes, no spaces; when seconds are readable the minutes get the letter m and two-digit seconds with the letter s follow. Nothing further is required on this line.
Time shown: 6h18
